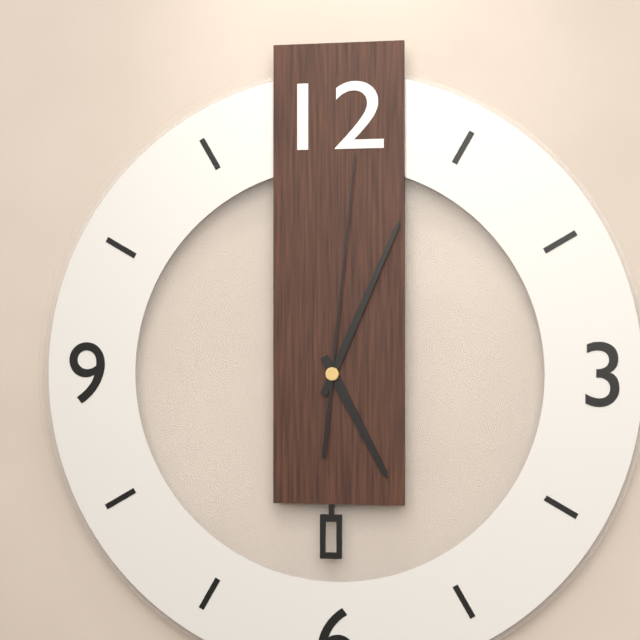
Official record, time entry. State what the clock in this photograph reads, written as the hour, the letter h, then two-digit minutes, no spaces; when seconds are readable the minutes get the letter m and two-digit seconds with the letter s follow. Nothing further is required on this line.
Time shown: 5h04m01s
